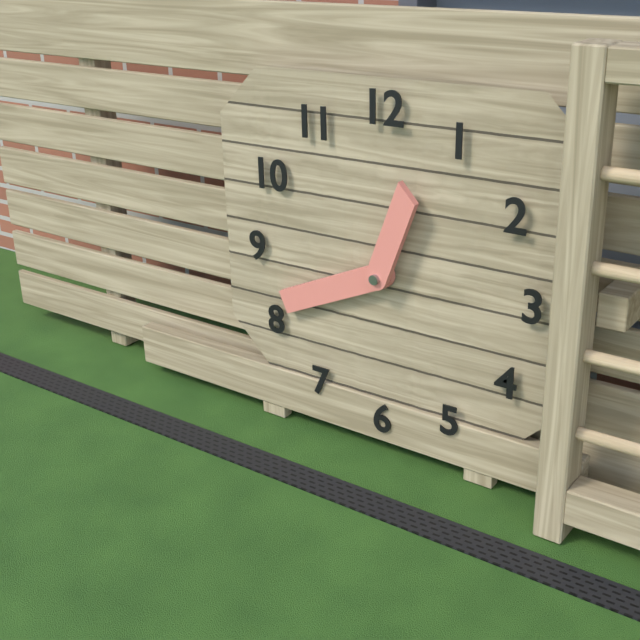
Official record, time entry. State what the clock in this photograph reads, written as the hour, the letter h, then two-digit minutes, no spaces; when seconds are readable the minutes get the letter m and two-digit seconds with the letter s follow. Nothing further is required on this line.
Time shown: 12h41
